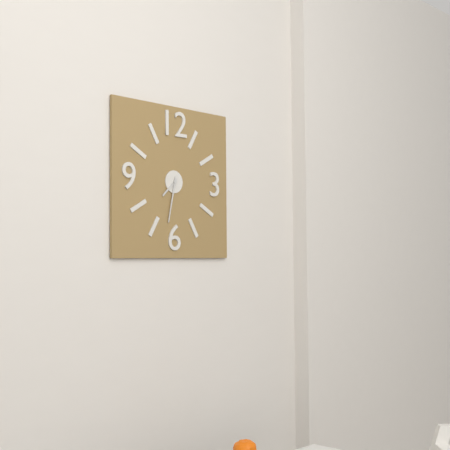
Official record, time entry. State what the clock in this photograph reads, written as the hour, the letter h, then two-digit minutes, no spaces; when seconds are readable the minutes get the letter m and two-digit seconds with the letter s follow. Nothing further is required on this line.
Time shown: 7h32
